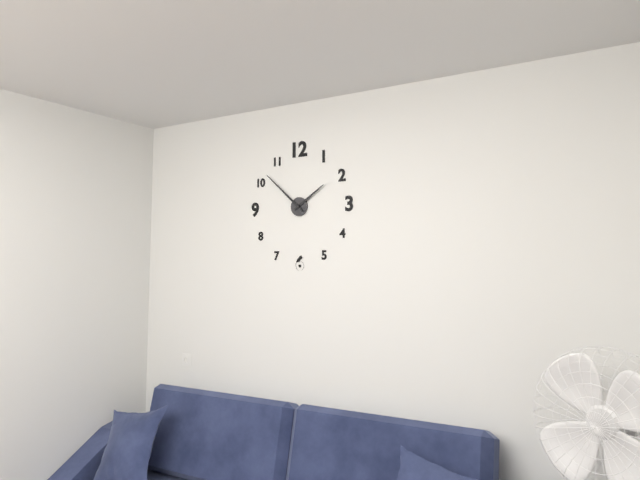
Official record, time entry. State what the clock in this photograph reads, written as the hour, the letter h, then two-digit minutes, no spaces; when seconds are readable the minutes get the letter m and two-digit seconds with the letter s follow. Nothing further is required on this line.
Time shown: 1h52
